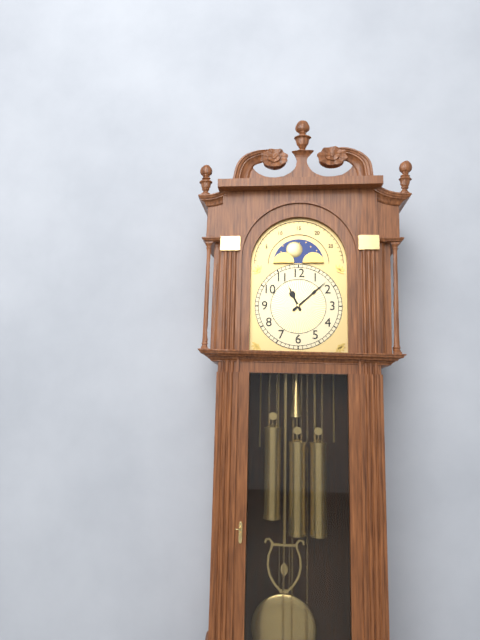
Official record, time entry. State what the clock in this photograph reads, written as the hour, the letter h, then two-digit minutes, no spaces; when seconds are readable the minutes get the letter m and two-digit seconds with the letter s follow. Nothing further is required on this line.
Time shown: 11h08
